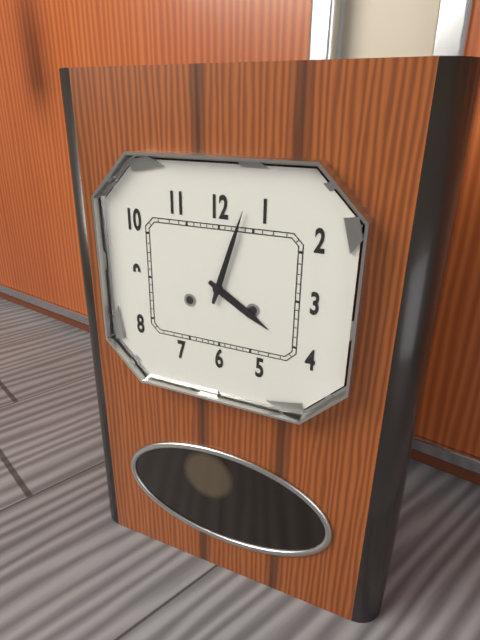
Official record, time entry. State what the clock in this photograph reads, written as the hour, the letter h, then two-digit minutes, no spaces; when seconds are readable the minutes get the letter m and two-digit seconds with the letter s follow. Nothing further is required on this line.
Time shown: 4h03
